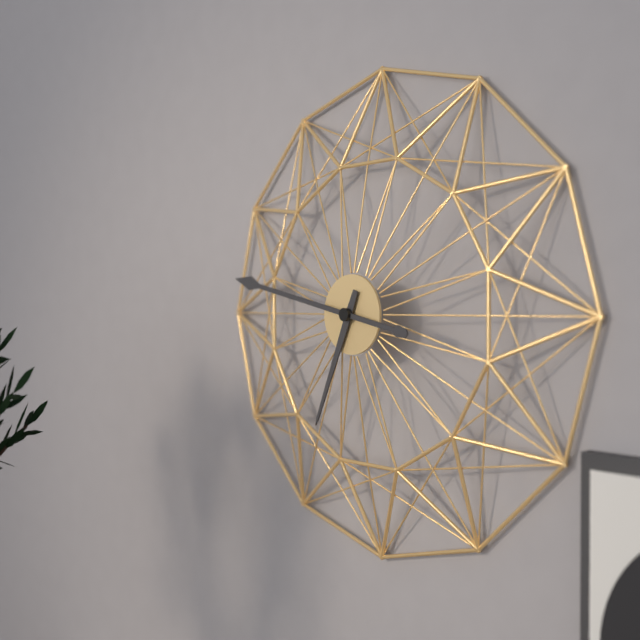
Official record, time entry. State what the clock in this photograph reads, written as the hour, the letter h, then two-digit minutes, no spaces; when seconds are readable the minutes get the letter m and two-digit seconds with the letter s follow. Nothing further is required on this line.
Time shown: 6h47
